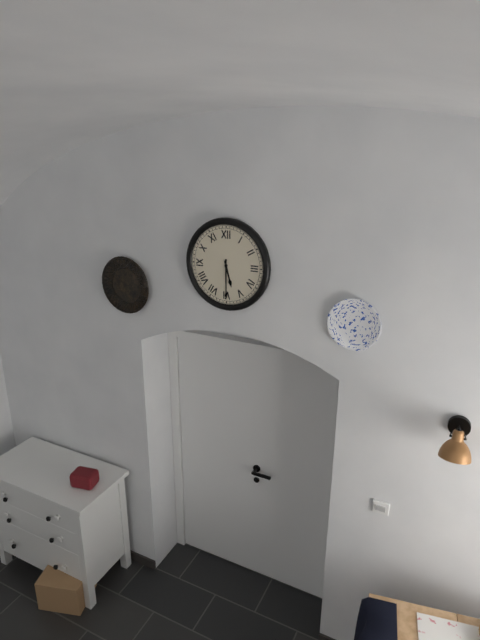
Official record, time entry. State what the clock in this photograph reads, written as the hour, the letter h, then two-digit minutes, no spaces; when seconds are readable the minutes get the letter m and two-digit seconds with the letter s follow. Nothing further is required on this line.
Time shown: 5h30
